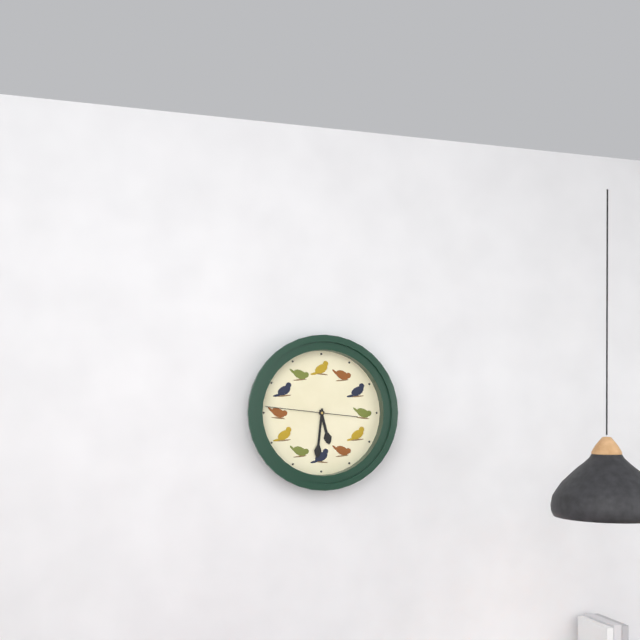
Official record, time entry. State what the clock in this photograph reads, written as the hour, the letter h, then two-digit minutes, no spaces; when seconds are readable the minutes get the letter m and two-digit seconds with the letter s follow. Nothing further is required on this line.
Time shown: 5h31m46s
